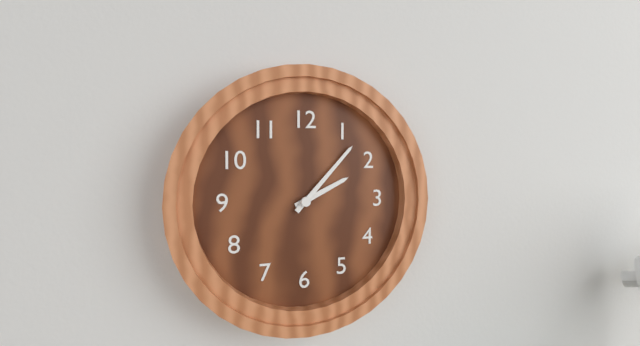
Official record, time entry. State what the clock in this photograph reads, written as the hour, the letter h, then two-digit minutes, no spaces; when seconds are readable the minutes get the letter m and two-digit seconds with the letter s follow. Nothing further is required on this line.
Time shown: 2h07
